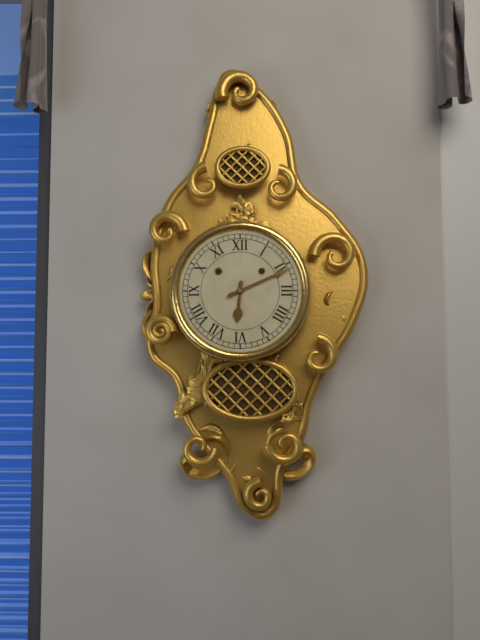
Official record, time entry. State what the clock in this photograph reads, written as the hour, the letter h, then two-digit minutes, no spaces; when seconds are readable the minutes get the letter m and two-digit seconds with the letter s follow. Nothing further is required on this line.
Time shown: 6h11
